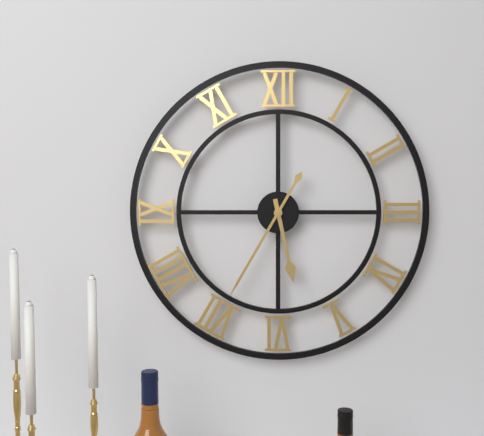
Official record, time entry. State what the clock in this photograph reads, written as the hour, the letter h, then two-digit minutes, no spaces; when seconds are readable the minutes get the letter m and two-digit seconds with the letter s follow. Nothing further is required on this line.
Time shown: 5h35
